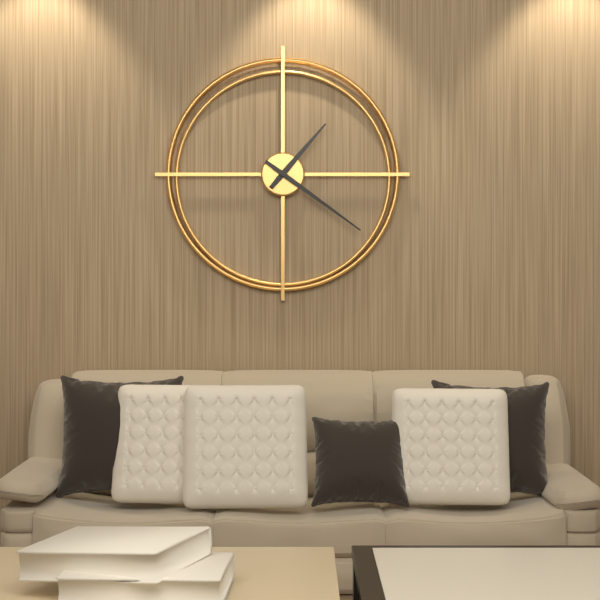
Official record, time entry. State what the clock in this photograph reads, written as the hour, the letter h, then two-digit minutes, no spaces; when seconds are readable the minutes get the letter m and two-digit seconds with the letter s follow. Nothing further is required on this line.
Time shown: 1h21
